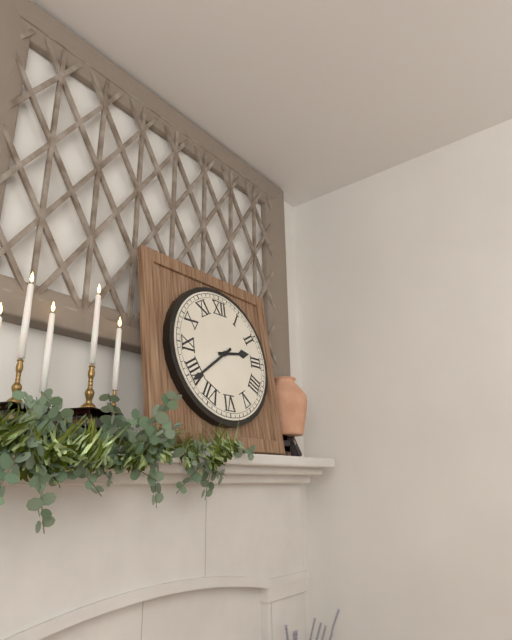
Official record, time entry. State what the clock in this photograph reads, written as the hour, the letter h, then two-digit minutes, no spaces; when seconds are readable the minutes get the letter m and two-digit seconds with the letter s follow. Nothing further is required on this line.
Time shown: 2h39
